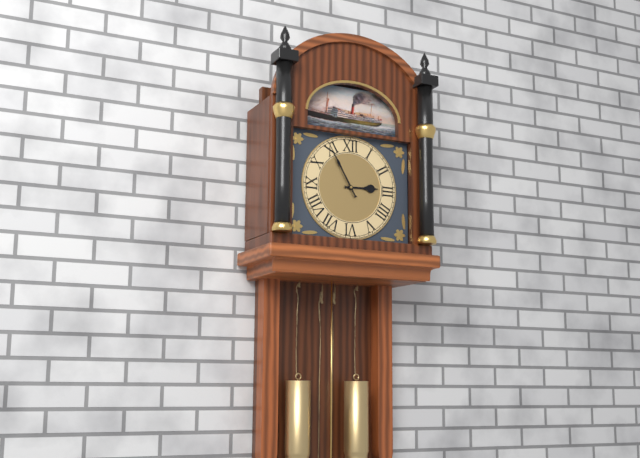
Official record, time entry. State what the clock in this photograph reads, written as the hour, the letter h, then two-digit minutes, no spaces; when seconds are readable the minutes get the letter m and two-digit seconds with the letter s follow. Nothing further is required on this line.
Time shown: 2h55
